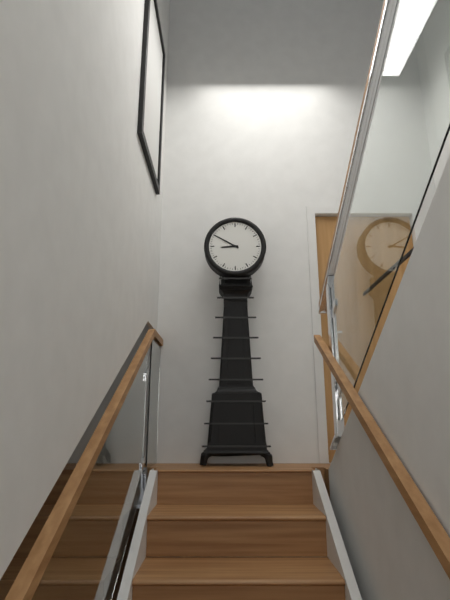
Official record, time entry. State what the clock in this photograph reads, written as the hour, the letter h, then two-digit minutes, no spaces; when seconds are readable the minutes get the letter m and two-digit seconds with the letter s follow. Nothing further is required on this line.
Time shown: 8h50
